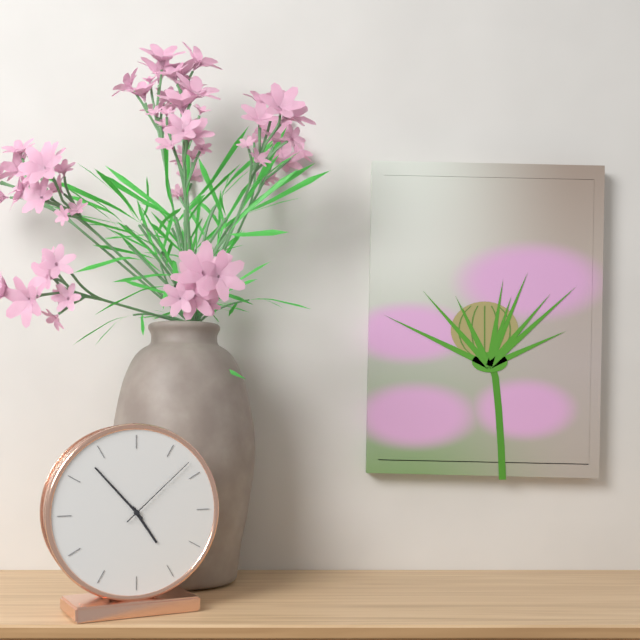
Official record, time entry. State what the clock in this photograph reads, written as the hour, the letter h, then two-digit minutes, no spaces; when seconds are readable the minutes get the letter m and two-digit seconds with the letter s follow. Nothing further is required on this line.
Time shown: 4h53m08s
